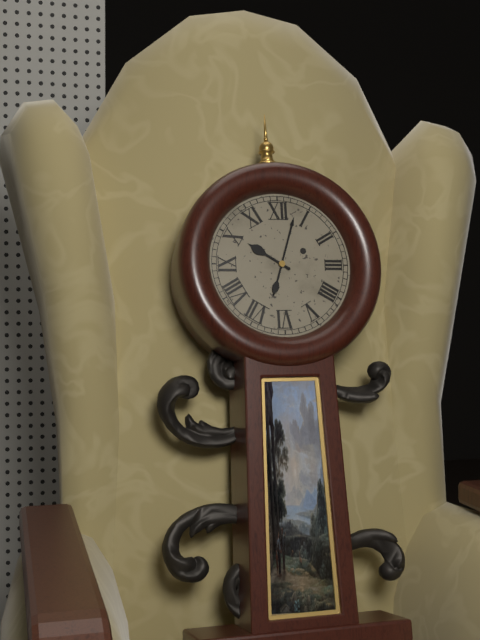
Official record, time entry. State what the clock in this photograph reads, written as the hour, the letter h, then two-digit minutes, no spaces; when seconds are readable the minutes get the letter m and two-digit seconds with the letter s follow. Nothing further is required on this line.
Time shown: 10h03
